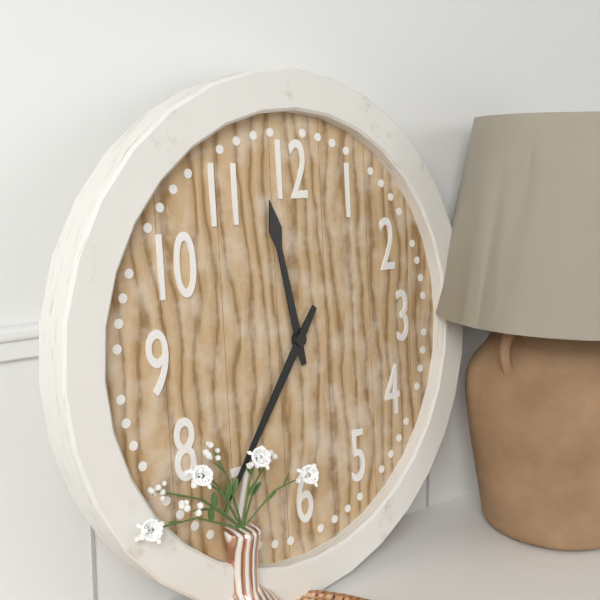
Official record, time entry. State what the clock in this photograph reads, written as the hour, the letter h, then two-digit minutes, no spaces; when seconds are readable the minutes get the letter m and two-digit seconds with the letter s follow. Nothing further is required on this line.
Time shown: 11h36
